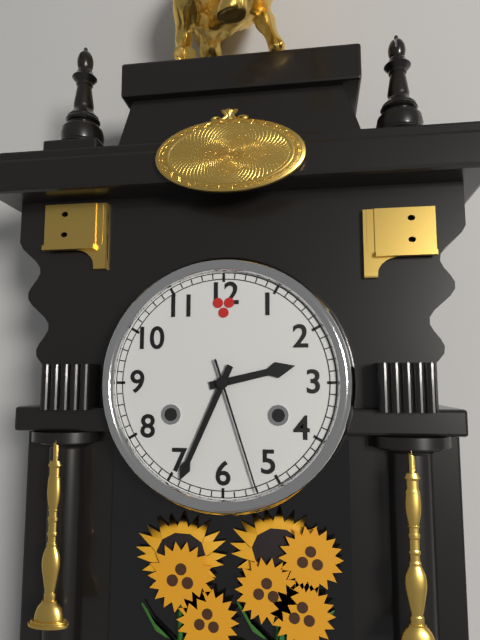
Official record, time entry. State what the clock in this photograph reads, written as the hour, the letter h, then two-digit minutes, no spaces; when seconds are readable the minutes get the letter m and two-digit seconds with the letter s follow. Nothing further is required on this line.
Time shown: 2h34m27s
